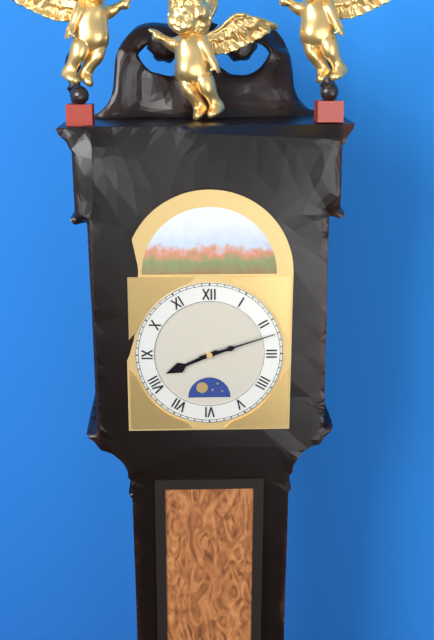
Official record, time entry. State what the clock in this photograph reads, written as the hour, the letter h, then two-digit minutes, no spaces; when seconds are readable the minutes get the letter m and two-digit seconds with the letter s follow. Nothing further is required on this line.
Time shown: 8h12
